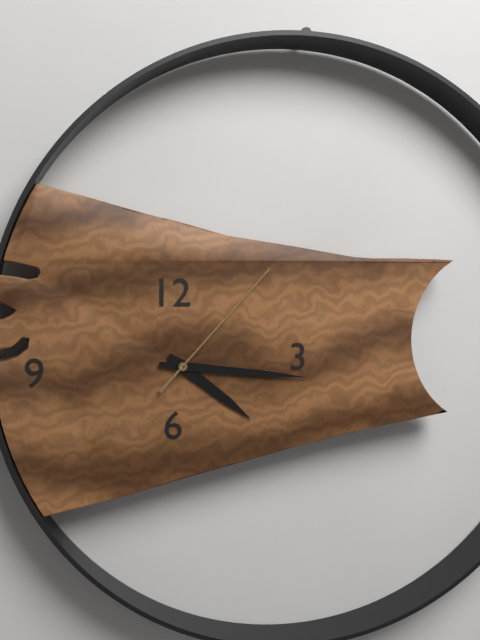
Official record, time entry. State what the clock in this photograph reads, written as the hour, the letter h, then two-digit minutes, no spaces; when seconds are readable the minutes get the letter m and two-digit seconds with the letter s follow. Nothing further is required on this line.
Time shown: 4h16m07s
